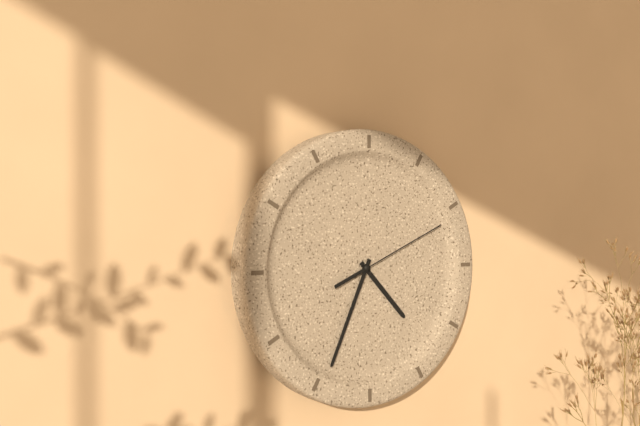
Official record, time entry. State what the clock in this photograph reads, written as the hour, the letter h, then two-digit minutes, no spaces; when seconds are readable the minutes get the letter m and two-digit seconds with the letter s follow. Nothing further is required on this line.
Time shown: 4h34m11s
